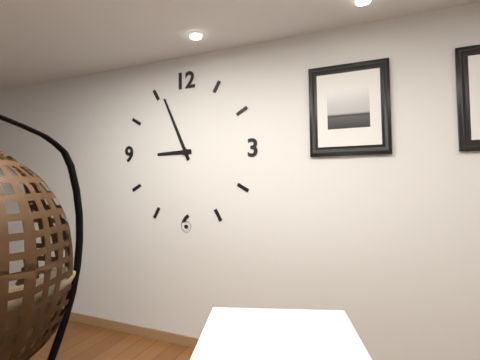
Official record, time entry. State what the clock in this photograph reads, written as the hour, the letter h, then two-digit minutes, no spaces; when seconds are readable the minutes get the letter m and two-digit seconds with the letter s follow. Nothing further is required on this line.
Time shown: 8h56
